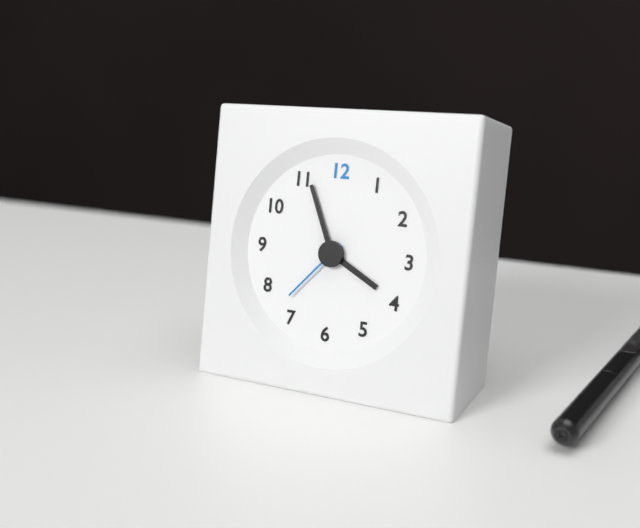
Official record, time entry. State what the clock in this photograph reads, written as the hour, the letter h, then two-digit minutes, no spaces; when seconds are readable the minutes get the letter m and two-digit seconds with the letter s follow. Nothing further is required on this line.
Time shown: 3h56m37s
